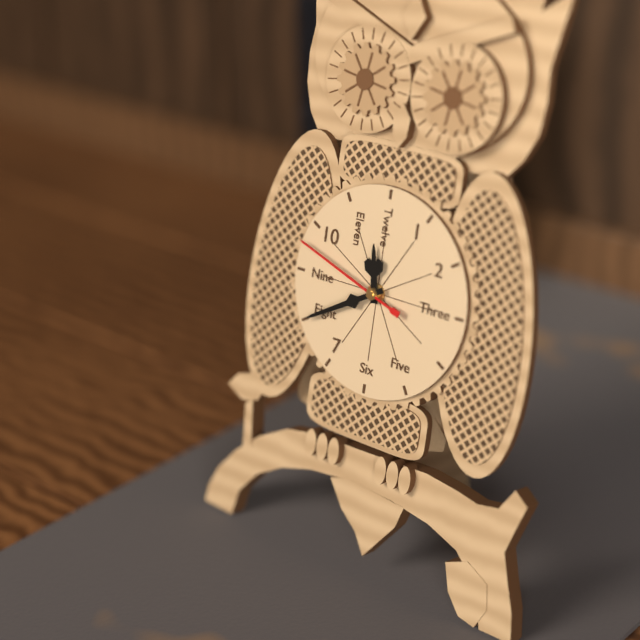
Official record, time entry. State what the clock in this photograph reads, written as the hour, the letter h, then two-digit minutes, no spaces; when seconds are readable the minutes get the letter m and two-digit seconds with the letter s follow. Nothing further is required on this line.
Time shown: 11h40m48s
